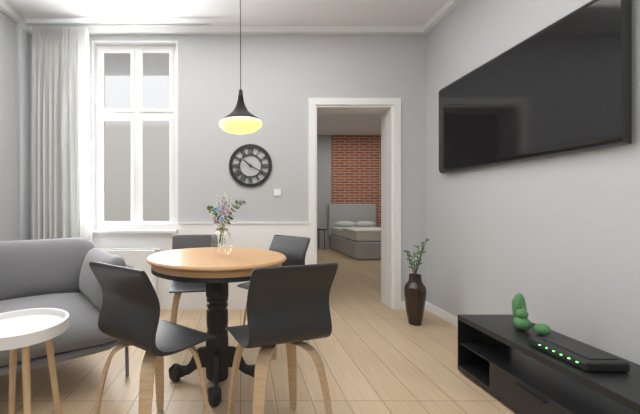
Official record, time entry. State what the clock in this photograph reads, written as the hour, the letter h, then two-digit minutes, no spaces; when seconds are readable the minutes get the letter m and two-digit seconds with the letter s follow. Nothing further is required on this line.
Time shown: 10h20
